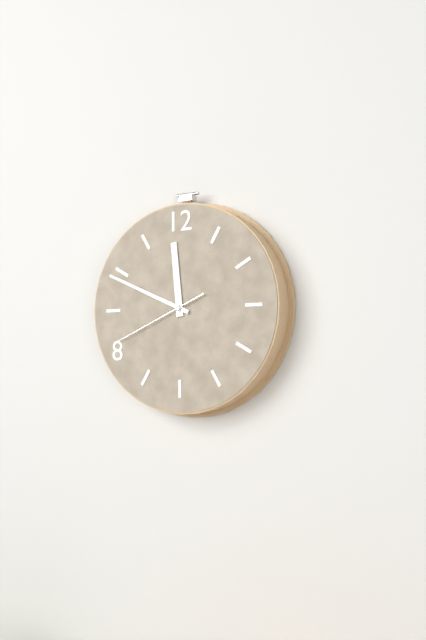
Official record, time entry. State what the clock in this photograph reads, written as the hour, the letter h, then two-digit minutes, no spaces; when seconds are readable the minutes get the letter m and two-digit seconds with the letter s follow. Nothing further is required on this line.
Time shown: 11h49m41s
